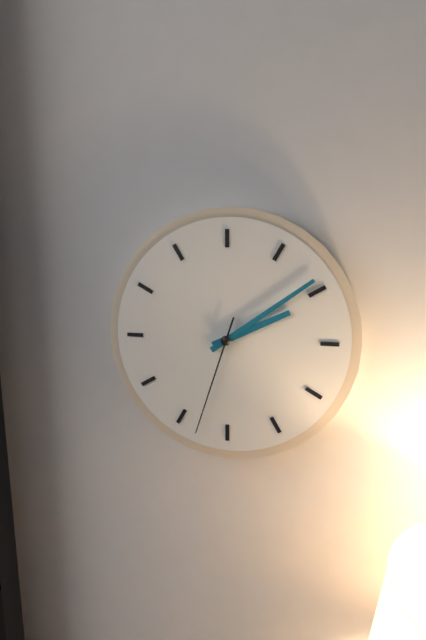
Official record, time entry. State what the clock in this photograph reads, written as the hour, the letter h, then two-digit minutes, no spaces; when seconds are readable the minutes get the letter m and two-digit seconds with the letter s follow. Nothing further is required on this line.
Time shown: 2h09m33s
